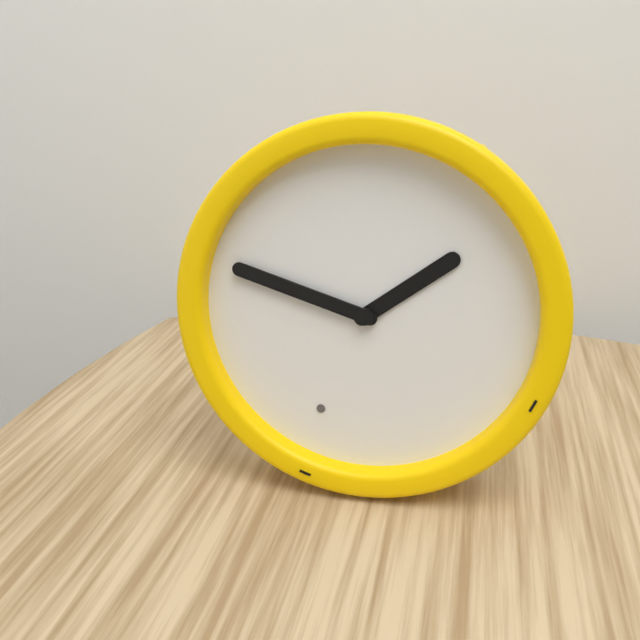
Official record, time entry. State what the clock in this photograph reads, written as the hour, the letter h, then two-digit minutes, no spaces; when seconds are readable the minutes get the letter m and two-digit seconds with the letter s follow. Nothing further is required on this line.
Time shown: 1h48
